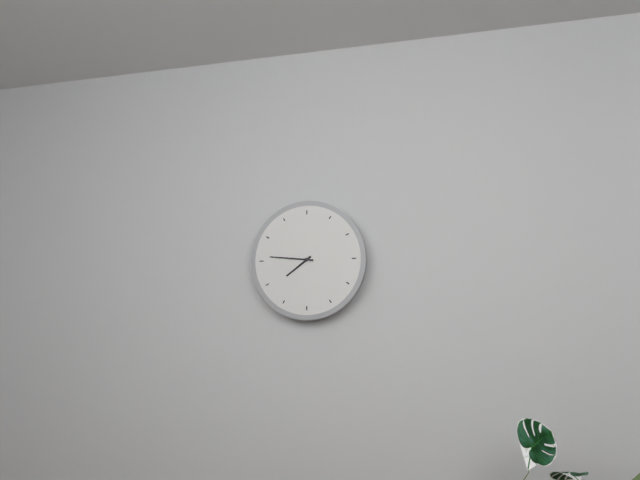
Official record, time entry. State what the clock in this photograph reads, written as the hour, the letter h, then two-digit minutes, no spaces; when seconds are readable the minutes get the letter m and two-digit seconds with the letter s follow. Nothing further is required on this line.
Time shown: 7h46
